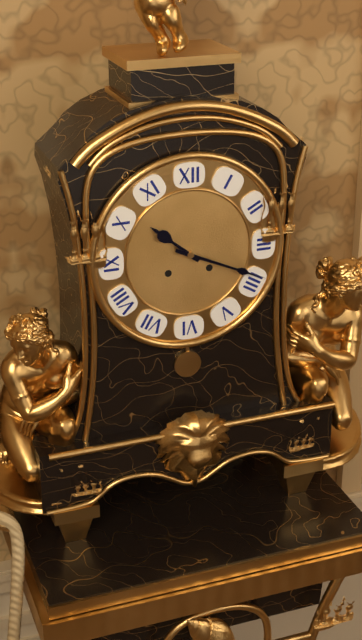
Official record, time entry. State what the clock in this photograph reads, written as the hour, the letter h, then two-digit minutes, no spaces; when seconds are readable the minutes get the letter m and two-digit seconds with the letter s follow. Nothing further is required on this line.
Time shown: 10h19
